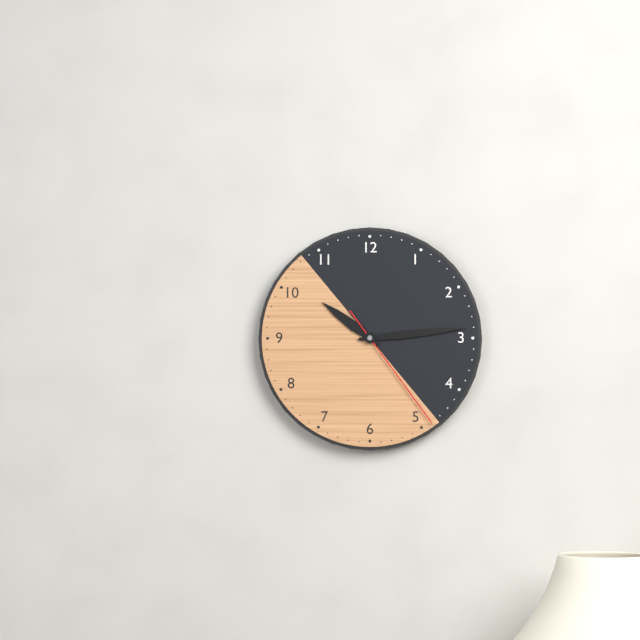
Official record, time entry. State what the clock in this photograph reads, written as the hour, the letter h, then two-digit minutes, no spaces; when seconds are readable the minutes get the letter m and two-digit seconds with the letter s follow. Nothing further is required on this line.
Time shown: 10h14m24s
